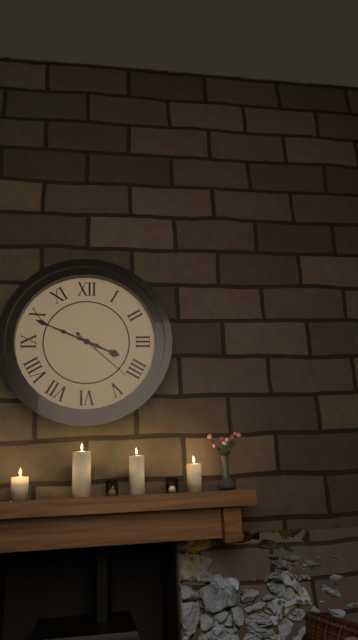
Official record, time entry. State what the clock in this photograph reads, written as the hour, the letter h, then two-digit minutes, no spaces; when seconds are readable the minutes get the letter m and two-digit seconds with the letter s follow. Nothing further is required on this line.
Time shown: 3h49m22s
